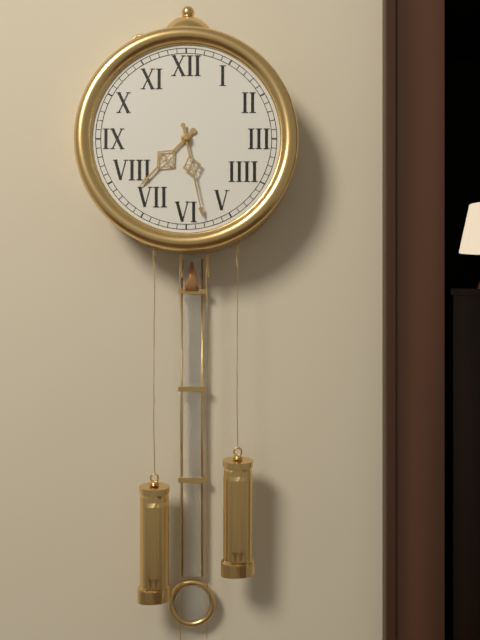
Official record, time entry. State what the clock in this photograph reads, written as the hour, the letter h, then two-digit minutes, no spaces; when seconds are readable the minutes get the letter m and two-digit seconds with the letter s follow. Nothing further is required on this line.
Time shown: 7h28
